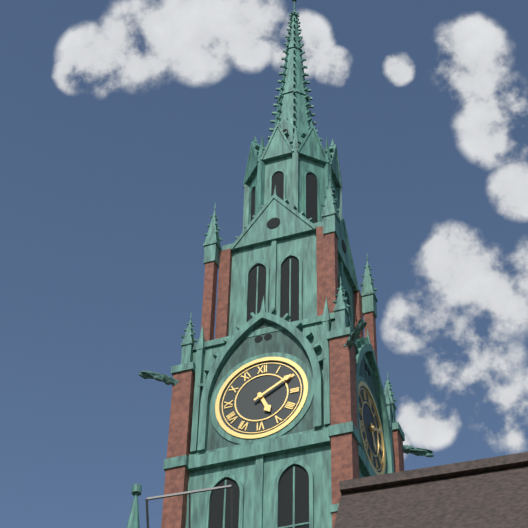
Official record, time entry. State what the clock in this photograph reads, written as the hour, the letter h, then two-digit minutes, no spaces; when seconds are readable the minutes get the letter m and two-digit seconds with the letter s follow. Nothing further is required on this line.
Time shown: 5h10
